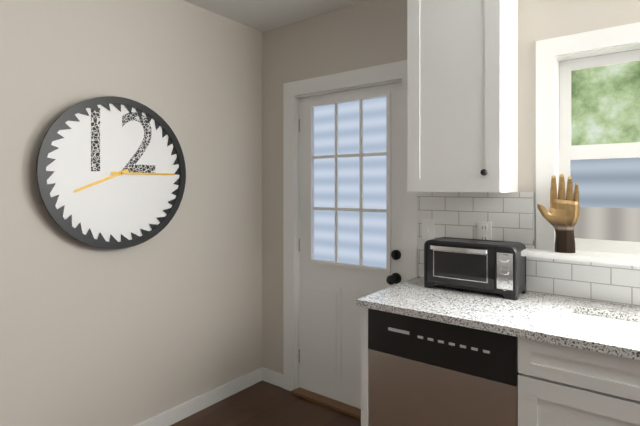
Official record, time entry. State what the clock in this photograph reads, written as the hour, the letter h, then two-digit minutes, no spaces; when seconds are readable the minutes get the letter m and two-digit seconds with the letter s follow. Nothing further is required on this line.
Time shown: 8h15
